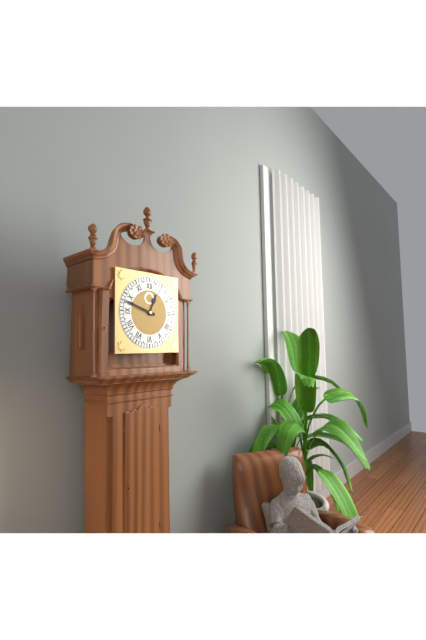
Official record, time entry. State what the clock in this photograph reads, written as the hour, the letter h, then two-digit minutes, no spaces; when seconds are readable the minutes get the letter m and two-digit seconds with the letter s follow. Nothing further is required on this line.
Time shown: 12h48
